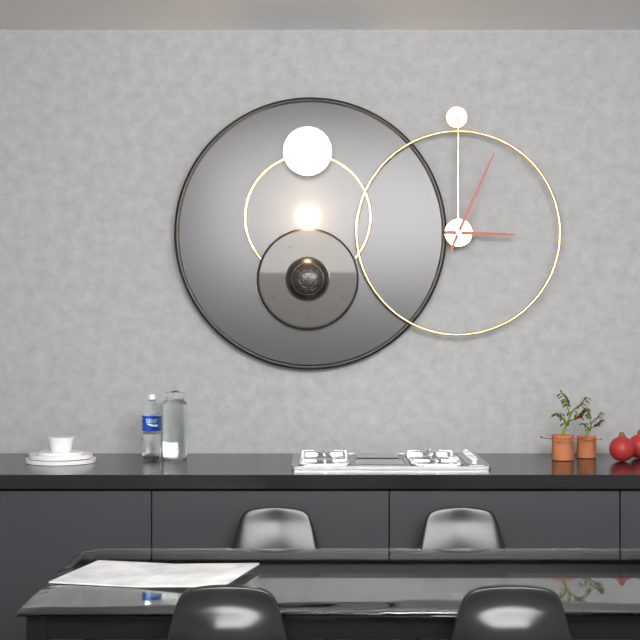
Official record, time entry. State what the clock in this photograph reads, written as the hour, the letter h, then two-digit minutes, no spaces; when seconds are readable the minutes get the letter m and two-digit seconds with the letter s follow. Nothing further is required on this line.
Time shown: 3h04
